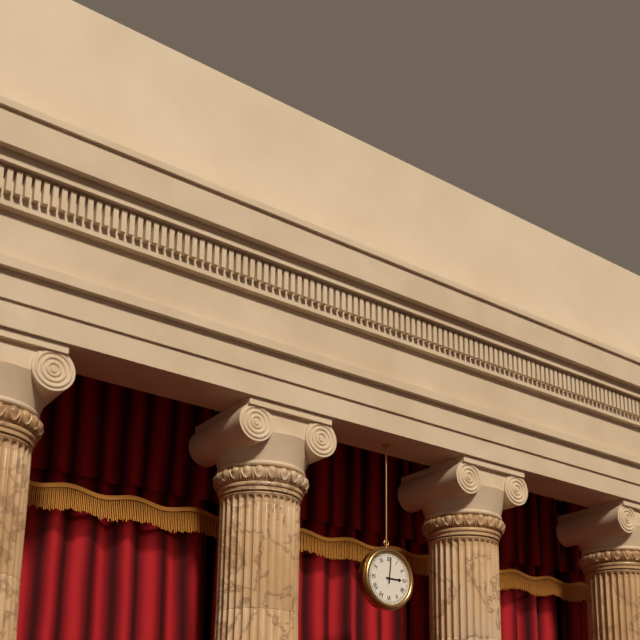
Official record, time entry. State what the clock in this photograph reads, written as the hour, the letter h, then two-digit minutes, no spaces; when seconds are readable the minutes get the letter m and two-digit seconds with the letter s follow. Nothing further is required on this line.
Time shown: 3h01
